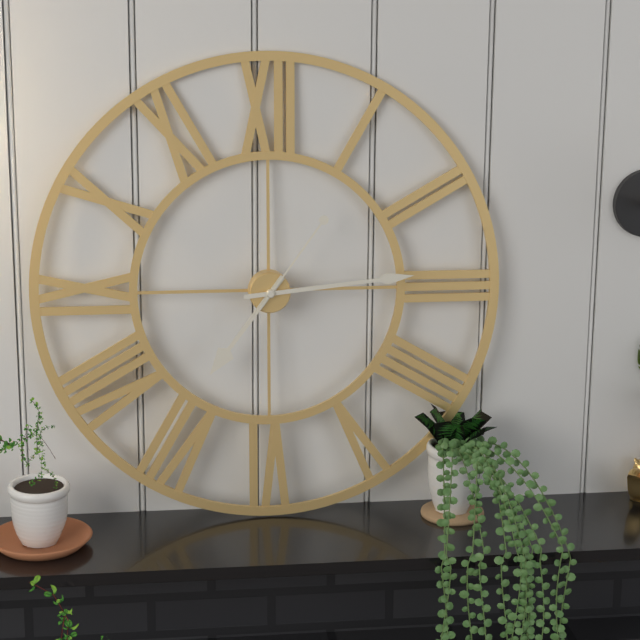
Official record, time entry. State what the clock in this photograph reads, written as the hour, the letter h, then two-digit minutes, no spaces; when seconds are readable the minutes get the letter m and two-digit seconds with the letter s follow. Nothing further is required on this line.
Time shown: 7h14m06s
